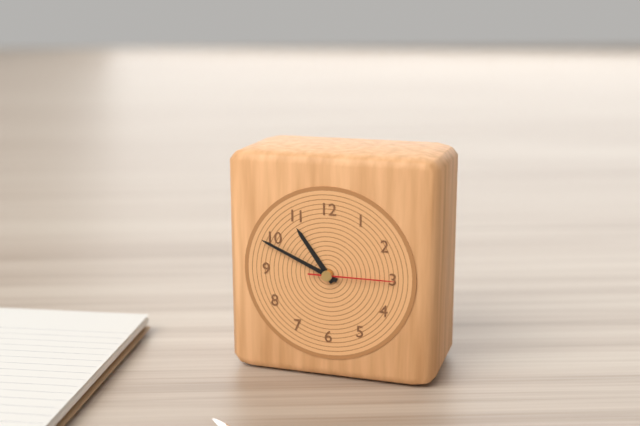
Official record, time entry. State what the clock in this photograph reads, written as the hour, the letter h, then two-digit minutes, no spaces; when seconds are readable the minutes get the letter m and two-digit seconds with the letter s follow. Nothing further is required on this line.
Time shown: 10h49m15s
